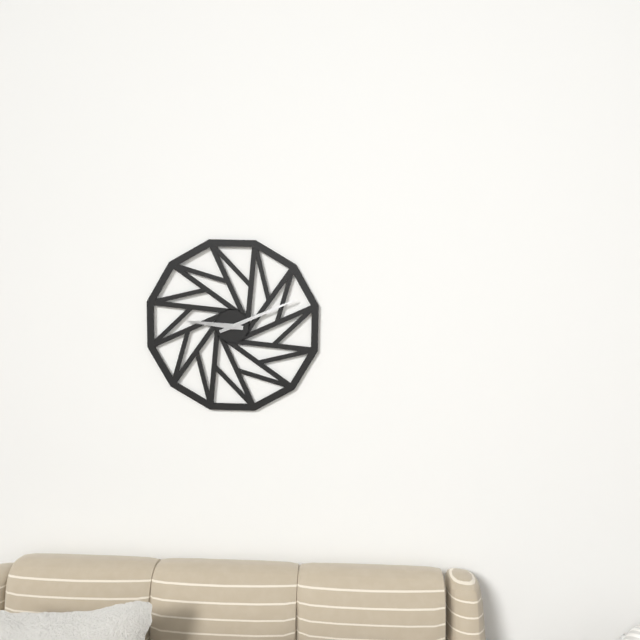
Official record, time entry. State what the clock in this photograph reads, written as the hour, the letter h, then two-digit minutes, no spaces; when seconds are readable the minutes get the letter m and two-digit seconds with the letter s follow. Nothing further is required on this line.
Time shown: 9h11
